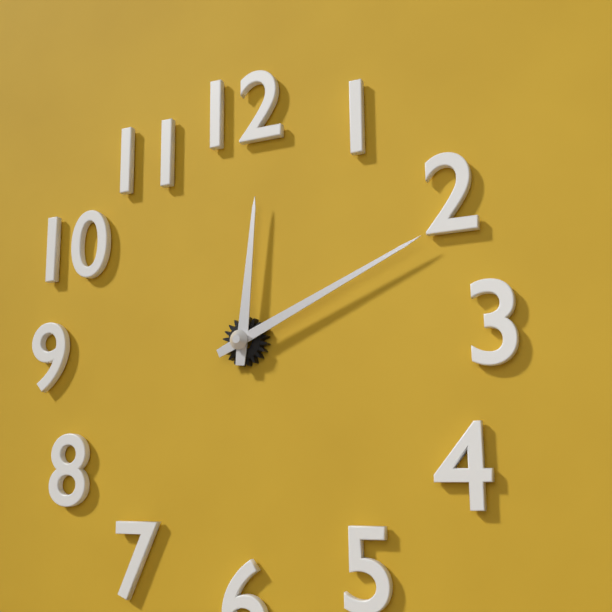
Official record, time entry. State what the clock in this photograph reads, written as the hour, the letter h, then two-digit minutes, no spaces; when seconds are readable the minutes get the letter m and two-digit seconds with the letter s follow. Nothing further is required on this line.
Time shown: 12h11
